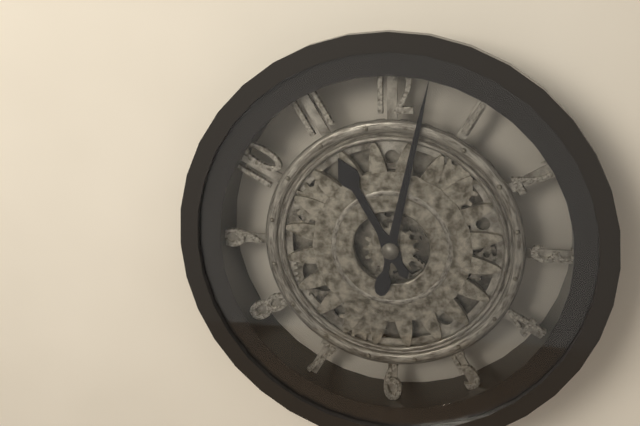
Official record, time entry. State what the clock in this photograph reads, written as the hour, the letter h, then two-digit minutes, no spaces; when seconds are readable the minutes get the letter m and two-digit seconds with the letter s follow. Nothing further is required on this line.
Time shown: 11h02
